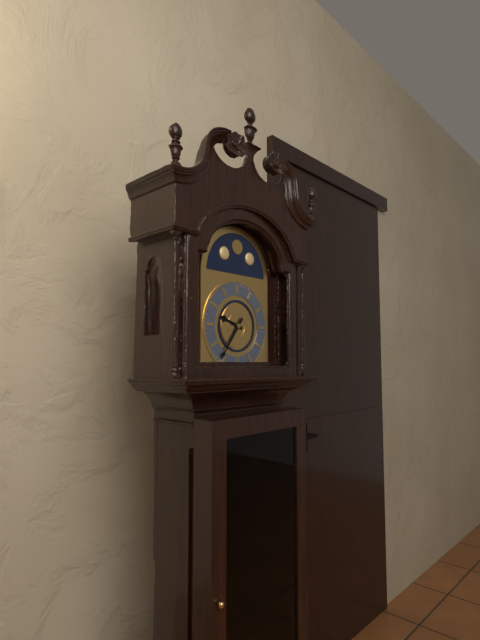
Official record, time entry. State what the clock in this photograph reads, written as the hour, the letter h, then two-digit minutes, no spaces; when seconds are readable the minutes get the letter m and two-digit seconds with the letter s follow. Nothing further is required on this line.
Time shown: 9h36
